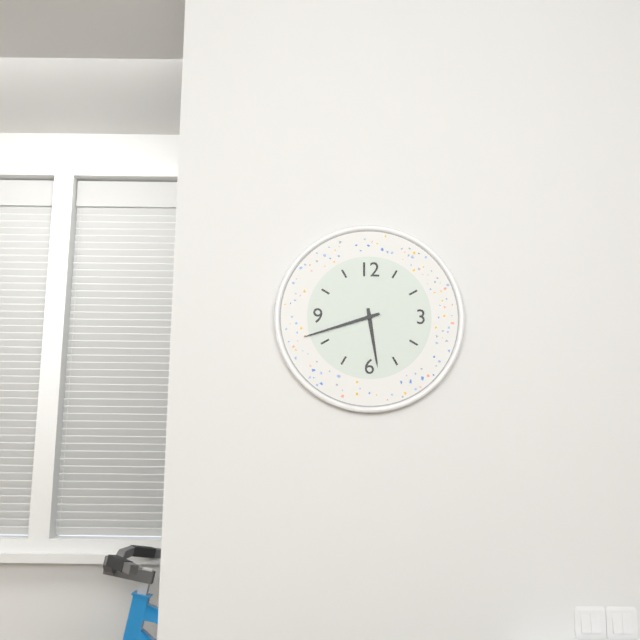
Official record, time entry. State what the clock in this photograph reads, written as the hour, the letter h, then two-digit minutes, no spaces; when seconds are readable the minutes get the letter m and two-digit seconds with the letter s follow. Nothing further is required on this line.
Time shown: 5h42
